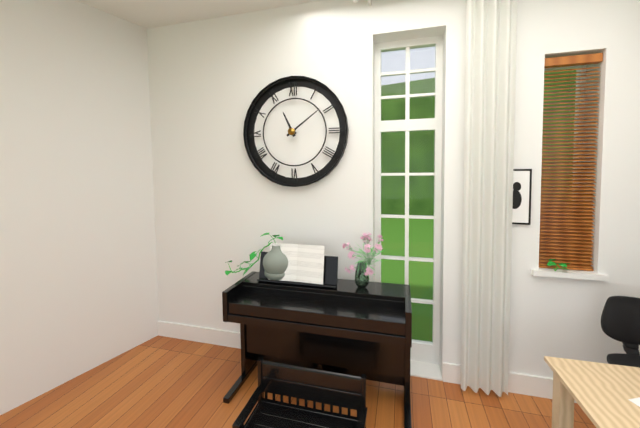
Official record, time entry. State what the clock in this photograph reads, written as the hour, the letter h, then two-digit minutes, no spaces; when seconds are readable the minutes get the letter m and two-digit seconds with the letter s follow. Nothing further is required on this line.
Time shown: 11h09
